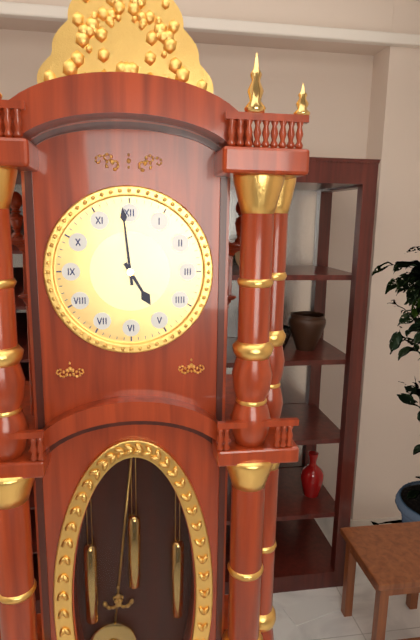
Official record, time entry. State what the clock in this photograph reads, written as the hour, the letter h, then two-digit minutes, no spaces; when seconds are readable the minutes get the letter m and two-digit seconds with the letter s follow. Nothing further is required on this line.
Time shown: 4h59
